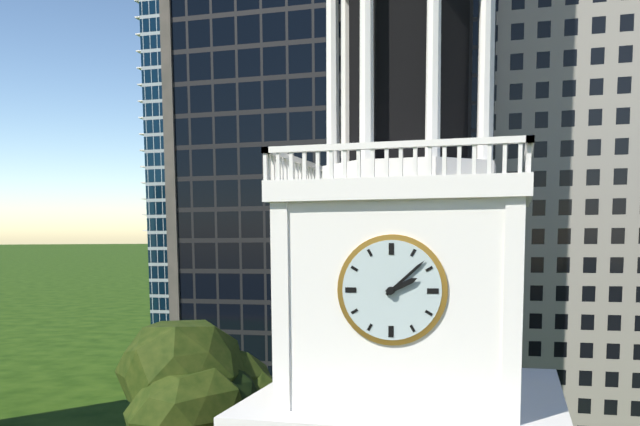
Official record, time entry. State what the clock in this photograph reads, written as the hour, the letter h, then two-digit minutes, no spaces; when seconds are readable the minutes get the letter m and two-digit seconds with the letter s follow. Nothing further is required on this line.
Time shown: 2h08
